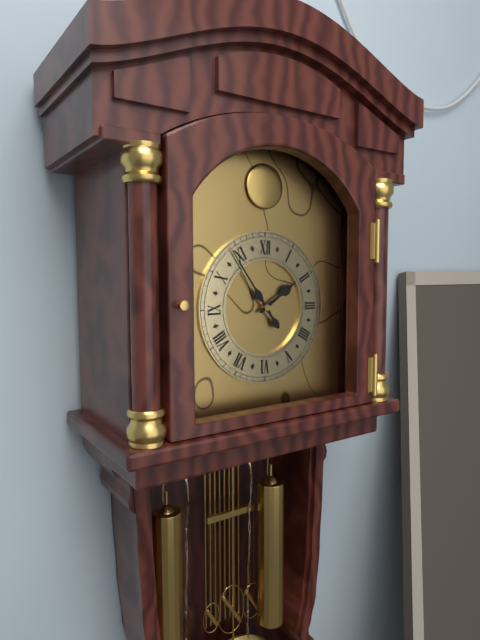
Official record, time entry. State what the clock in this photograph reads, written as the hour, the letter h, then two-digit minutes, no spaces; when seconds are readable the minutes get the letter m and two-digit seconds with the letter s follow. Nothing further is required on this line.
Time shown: 1h54
